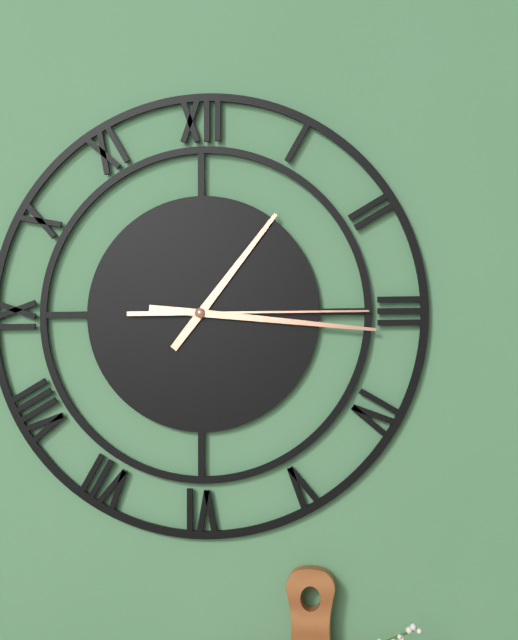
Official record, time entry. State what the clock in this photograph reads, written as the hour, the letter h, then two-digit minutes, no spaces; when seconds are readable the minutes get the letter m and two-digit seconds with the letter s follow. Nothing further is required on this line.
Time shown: 1h16m15s
